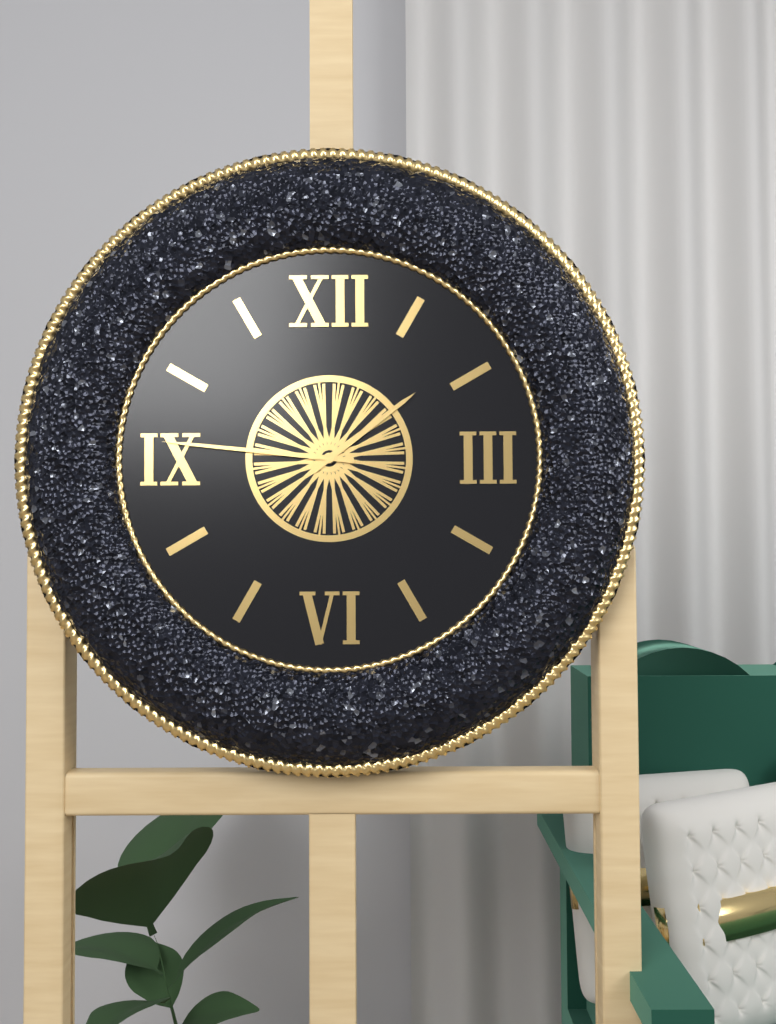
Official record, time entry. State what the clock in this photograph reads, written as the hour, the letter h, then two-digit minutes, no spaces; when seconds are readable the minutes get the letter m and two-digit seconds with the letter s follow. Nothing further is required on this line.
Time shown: 1h46
